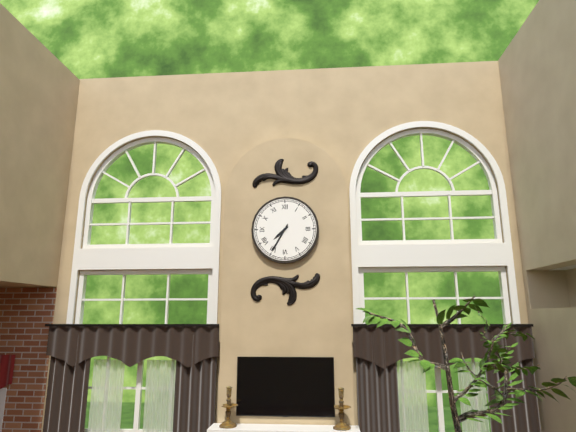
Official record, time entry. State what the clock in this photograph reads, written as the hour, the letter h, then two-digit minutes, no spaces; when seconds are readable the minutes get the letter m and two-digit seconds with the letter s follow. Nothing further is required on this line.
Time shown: 7h35
